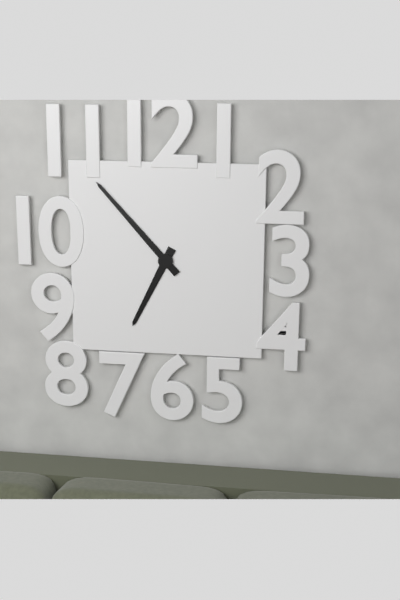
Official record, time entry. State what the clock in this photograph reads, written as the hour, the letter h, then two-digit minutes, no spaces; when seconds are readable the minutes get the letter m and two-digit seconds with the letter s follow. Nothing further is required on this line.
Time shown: 6h53
